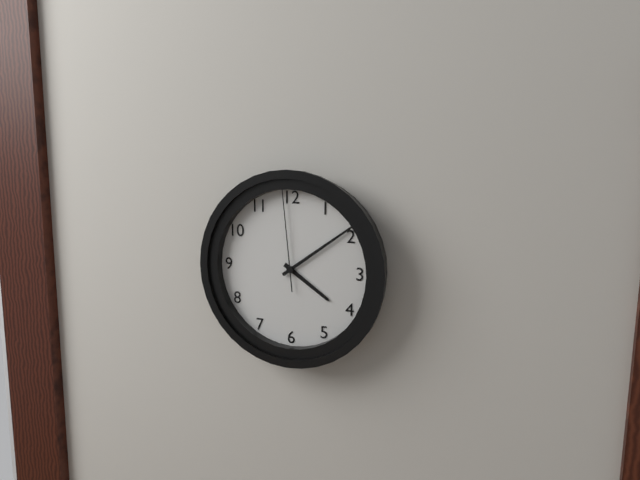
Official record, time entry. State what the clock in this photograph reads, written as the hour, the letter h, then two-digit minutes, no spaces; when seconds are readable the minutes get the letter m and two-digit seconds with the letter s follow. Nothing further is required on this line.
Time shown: 4h09m59s
